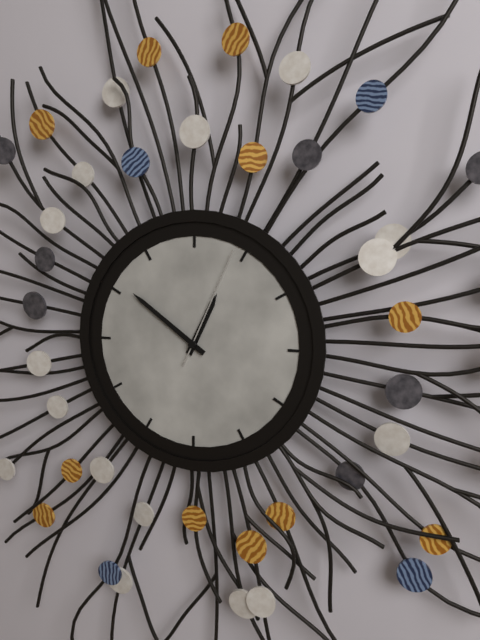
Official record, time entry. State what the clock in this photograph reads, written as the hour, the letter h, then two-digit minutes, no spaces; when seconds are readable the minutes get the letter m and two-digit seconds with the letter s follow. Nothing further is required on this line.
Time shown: 12h51m04s
